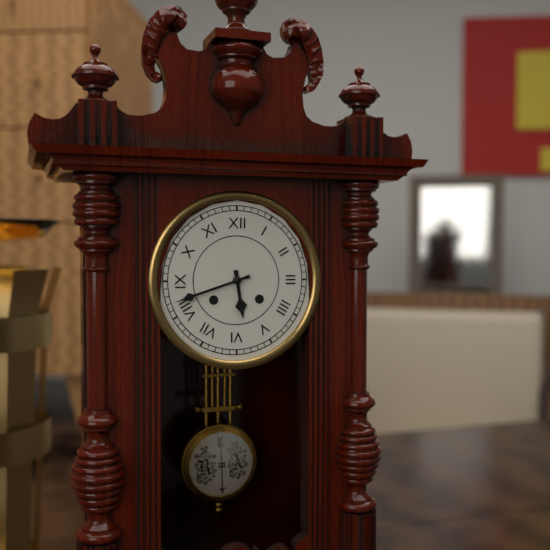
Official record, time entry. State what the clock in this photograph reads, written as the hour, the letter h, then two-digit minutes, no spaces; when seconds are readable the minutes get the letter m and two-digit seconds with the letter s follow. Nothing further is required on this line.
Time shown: 5h42
